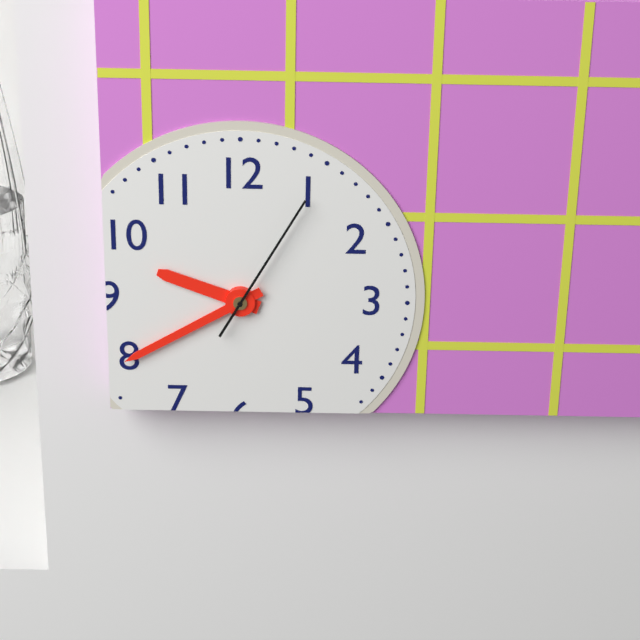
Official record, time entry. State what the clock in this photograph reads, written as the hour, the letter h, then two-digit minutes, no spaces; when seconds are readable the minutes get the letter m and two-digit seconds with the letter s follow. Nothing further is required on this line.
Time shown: 9h40m05s
